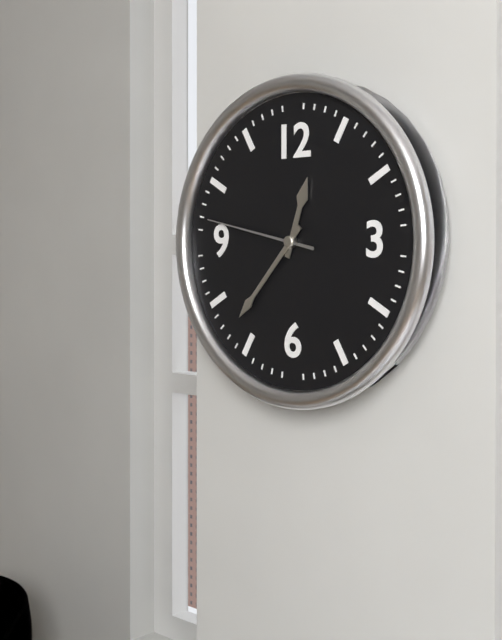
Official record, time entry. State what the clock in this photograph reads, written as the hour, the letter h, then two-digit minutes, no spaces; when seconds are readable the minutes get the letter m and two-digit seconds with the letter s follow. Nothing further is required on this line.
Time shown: 12h37m47s
